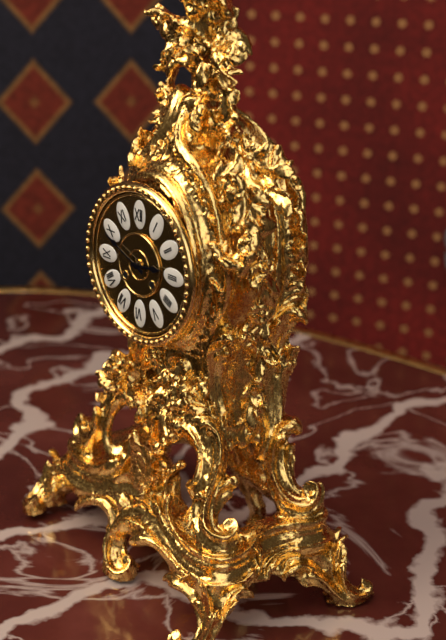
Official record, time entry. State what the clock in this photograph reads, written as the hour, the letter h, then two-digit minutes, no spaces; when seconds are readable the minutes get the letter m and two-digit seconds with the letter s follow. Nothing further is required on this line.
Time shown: 2h49
